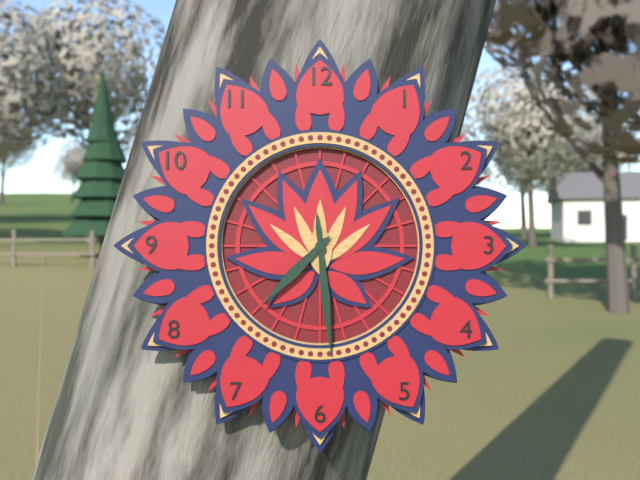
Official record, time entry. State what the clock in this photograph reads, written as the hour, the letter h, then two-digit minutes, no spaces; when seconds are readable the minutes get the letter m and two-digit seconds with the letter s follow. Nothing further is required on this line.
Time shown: 7h29
